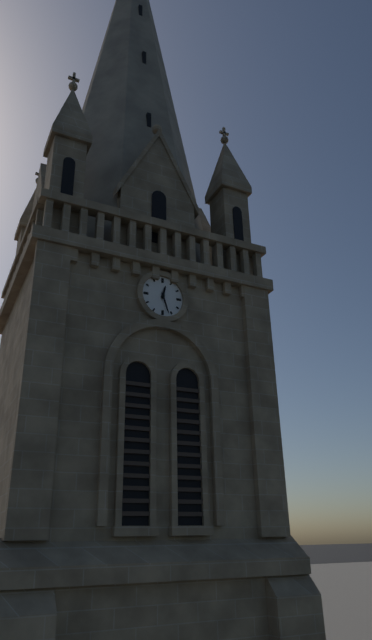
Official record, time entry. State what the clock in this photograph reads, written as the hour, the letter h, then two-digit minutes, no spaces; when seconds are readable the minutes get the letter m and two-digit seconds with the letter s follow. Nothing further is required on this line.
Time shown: 12h27
